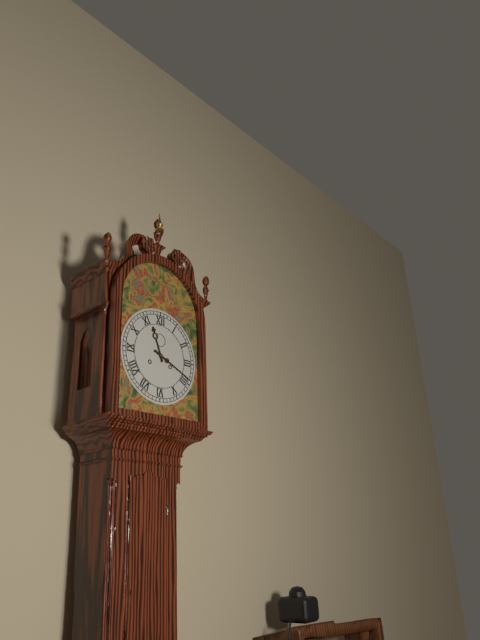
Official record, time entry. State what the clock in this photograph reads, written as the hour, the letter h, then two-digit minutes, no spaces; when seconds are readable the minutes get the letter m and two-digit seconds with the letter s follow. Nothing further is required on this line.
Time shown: 11h19
